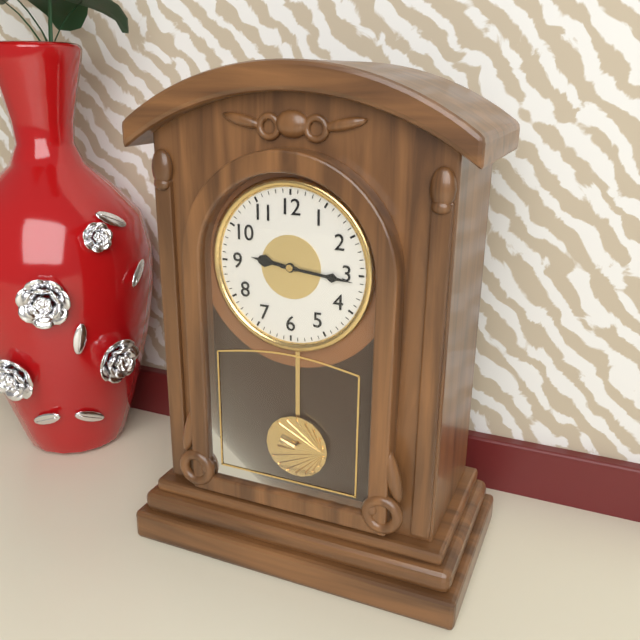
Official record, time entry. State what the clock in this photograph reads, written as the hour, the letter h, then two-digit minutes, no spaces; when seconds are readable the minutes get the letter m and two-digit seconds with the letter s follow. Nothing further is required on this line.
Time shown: 9h16
